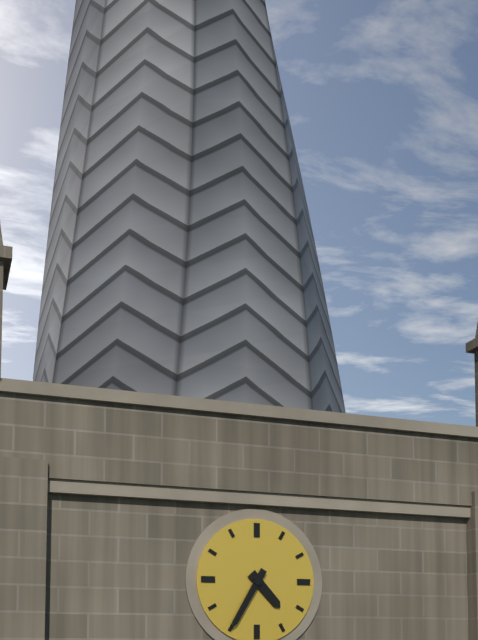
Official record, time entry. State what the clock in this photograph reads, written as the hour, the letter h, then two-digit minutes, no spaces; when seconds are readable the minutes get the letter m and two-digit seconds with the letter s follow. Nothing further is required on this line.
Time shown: 4h35
